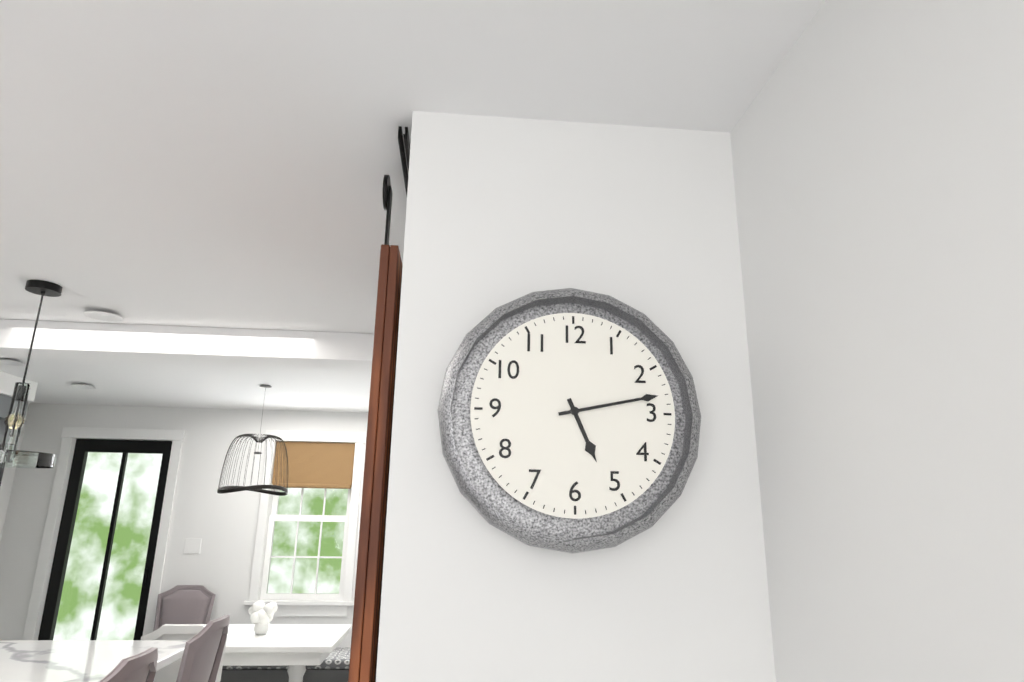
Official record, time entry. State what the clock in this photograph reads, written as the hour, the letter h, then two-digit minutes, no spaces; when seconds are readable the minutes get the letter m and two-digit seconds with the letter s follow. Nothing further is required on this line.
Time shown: 5h13
